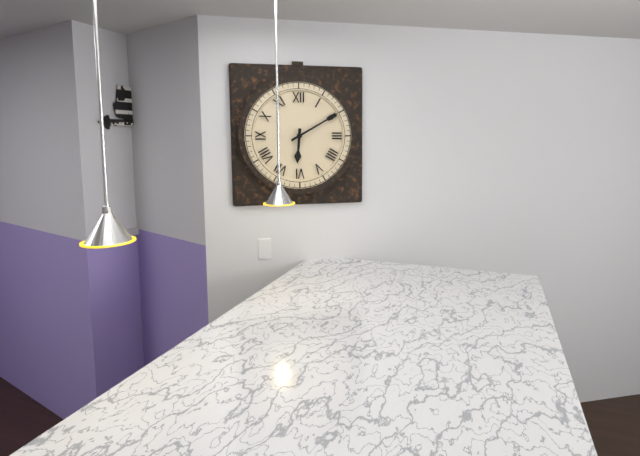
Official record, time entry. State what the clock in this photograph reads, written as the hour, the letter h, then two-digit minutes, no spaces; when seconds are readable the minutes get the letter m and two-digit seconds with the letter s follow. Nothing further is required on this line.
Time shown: 6h10
